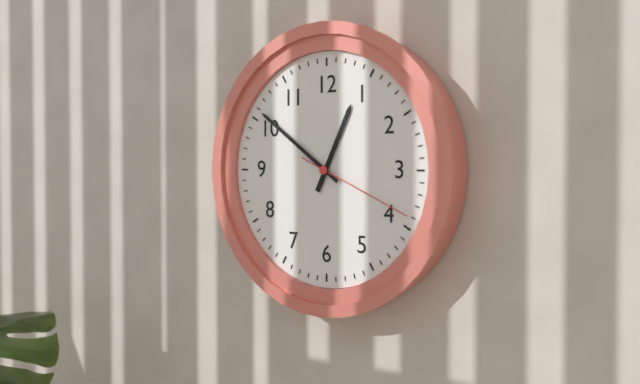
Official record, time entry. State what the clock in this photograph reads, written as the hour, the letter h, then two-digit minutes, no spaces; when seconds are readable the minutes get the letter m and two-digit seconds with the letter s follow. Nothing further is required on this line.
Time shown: 12h51m19s
